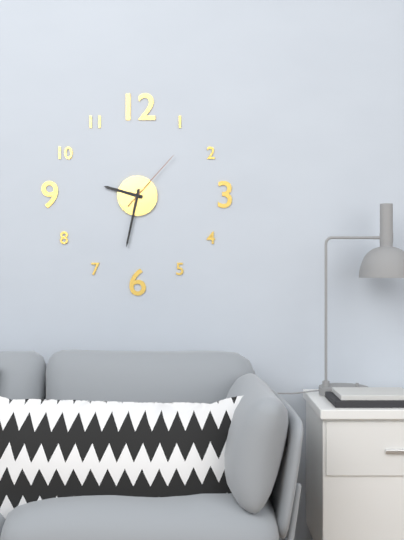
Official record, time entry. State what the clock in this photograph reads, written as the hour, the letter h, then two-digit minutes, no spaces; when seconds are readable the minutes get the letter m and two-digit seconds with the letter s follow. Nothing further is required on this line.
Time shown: 9h32m07s
